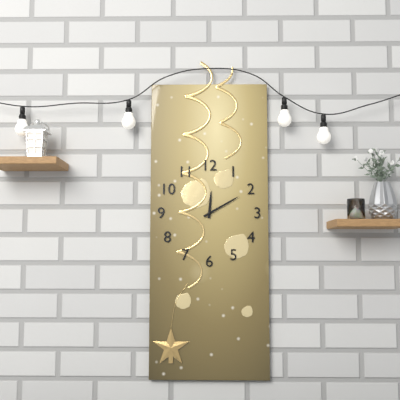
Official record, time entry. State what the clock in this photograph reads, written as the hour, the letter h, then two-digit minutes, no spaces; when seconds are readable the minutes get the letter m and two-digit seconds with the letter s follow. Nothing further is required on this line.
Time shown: 12h10
